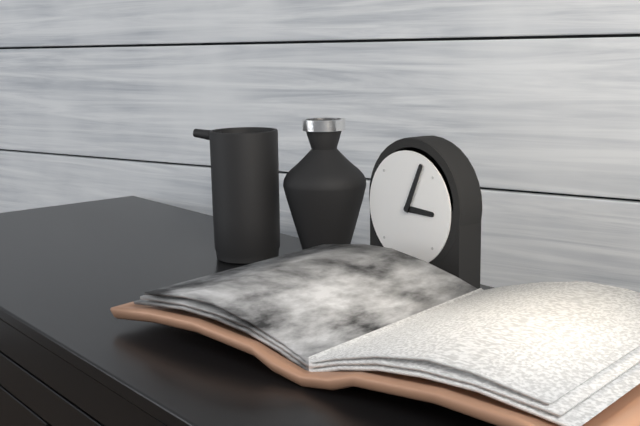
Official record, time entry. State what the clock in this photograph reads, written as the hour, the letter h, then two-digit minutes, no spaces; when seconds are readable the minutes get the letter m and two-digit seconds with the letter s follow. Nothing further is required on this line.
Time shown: 3h04
